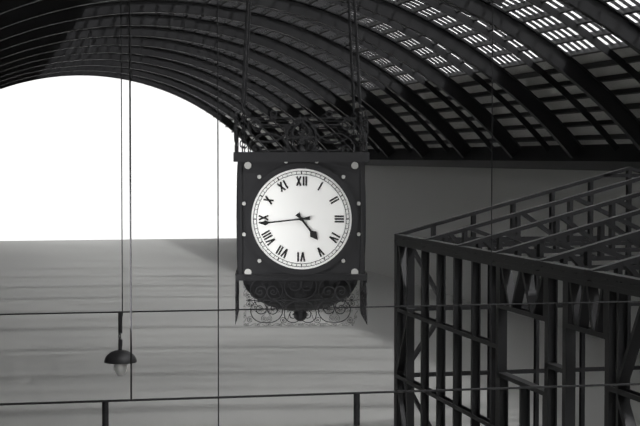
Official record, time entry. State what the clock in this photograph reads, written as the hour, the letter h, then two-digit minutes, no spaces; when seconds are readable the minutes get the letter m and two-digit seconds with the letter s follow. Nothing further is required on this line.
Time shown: 4h44
